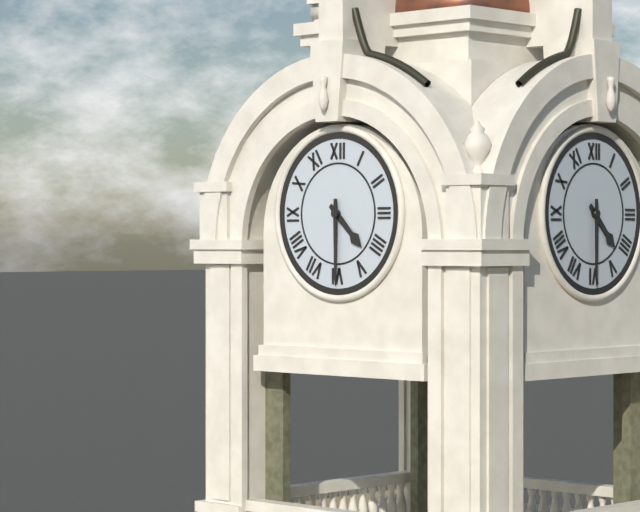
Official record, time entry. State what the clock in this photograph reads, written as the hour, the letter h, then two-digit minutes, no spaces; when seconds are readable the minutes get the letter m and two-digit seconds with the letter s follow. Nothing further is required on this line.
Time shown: 4h30
